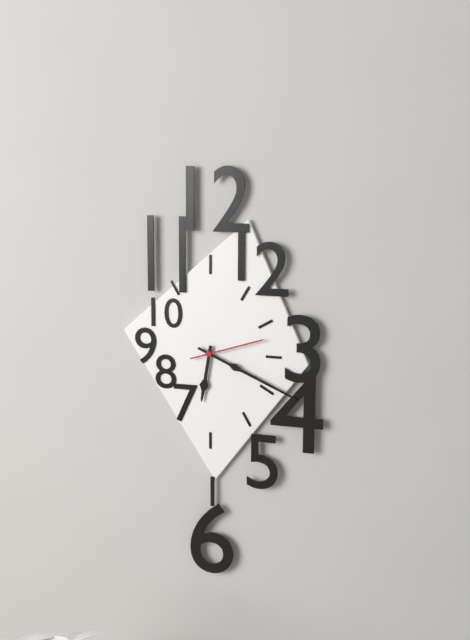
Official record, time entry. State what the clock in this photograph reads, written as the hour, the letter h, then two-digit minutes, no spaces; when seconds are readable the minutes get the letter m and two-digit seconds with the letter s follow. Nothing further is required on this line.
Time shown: 6h19m12s
